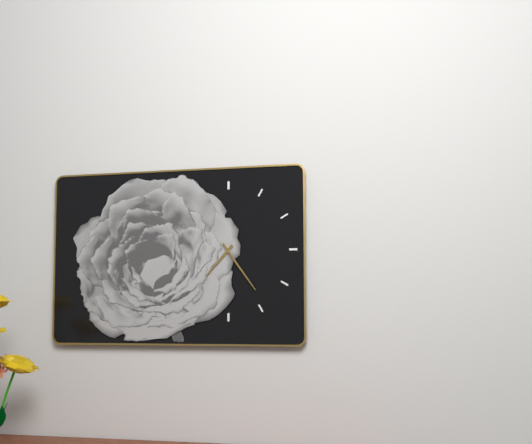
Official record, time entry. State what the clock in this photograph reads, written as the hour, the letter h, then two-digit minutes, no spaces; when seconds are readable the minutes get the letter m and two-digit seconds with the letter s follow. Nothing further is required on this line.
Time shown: 7h24
